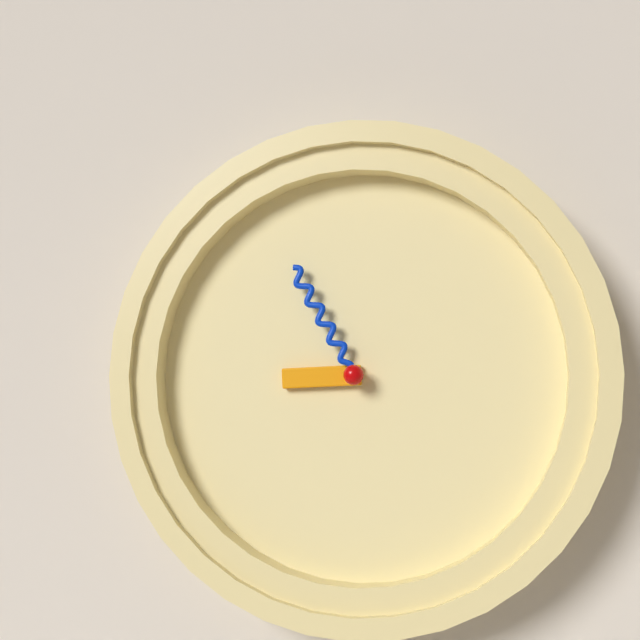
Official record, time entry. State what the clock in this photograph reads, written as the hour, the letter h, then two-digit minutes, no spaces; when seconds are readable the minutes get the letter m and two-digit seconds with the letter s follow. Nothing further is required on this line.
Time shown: 8h55
